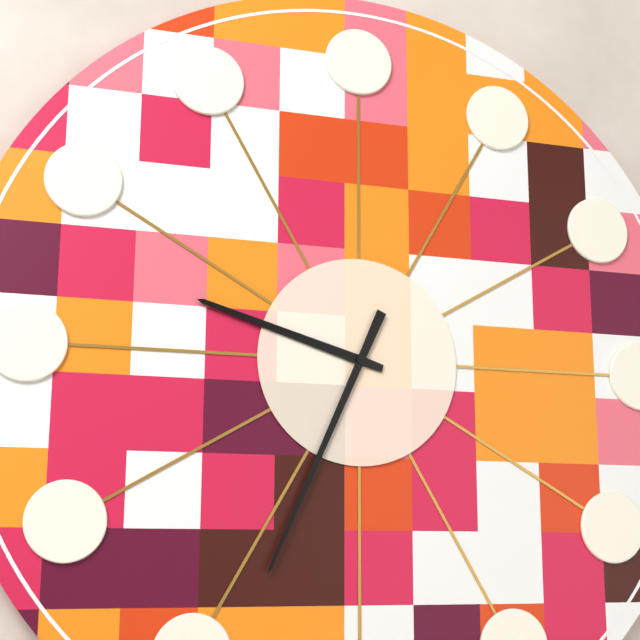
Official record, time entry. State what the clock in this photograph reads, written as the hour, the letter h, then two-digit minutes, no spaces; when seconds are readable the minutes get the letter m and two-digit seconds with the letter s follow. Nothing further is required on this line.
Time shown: 9h34
